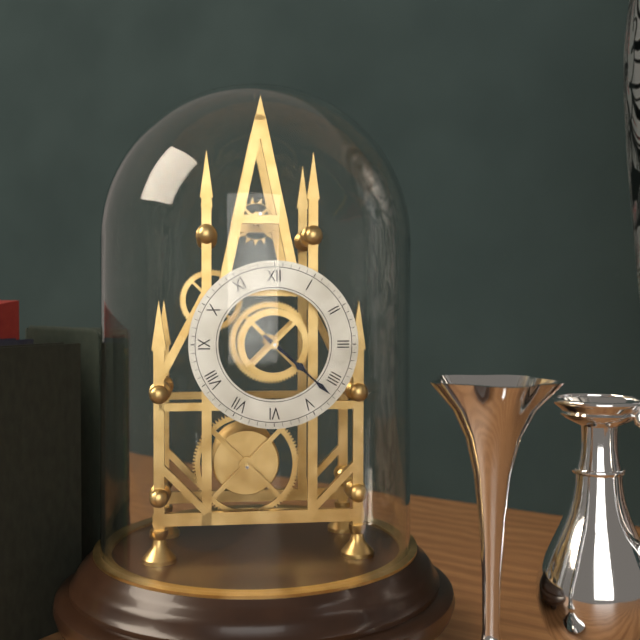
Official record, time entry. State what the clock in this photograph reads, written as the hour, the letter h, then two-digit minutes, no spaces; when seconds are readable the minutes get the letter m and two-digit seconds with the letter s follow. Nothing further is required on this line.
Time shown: 4h22
